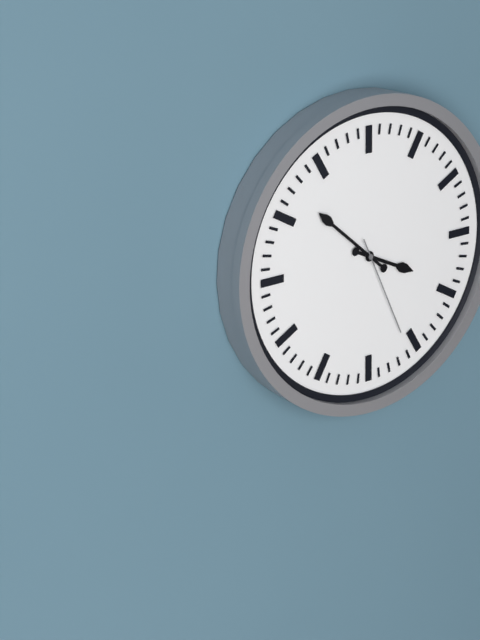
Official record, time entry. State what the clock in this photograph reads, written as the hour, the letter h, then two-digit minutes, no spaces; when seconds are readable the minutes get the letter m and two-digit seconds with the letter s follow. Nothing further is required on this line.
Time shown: 3h52m26s
